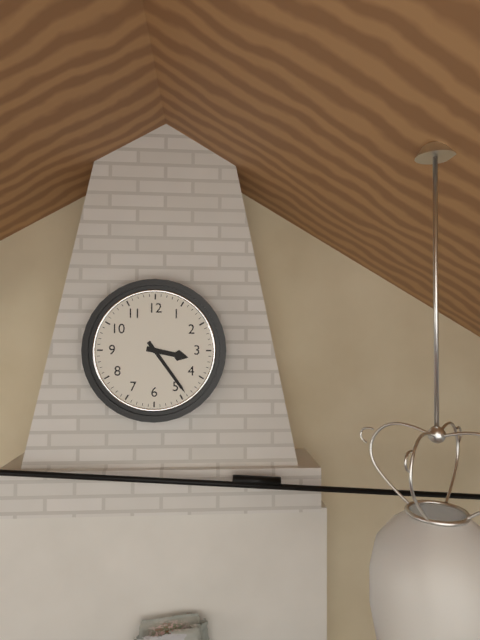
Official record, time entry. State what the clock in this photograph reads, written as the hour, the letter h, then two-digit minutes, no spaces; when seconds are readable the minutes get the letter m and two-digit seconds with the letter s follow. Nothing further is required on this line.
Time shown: 3h24
